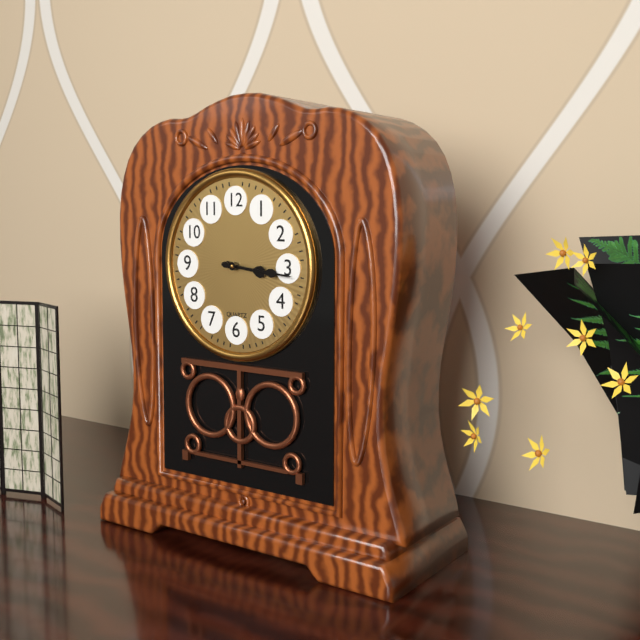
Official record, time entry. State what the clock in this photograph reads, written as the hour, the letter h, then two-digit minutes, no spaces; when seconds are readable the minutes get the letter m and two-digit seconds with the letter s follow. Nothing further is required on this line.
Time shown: 3h16
